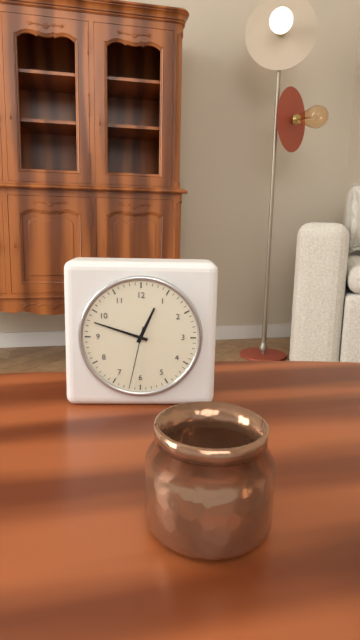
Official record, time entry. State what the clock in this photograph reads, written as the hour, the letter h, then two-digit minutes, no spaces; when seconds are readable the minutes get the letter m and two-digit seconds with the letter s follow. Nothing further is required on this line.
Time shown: 12h48m32s
